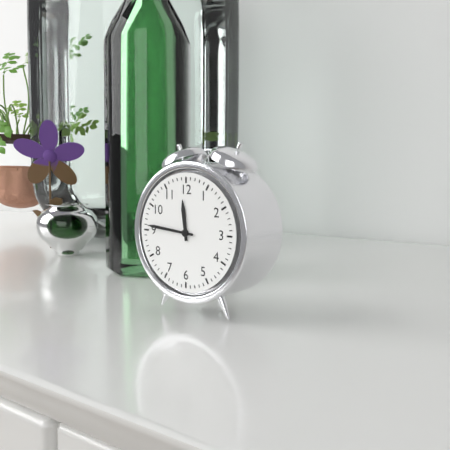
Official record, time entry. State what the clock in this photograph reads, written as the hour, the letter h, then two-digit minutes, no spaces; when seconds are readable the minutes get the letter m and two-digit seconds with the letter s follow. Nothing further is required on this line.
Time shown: 11h46
